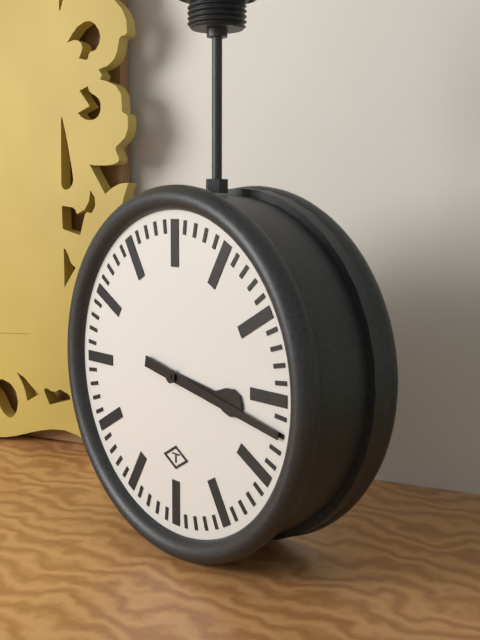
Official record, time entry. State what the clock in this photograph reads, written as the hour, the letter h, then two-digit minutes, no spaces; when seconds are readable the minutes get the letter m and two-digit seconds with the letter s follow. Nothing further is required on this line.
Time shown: 3h17
